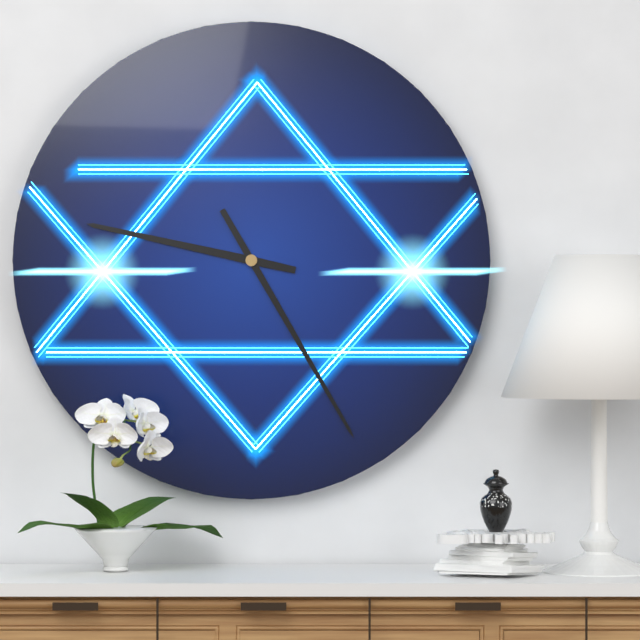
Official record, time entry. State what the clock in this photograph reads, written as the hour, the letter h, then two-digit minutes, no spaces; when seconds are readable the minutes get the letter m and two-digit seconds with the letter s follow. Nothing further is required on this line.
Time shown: 9h25
